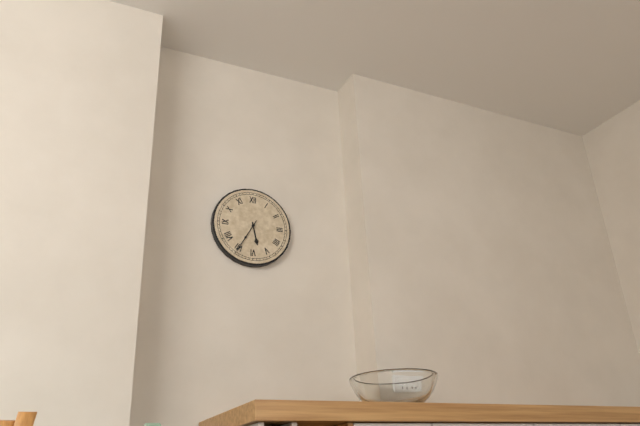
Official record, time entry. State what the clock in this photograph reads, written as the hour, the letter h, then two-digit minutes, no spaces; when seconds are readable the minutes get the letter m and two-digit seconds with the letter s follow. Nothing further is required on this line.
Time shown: 5h35
